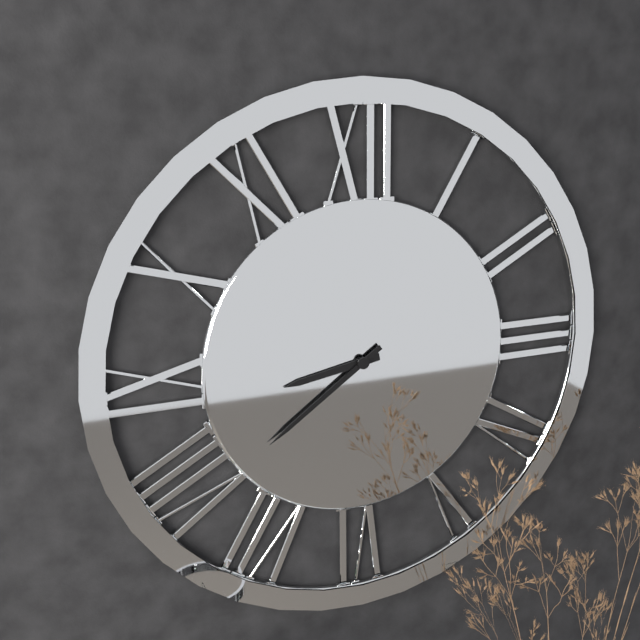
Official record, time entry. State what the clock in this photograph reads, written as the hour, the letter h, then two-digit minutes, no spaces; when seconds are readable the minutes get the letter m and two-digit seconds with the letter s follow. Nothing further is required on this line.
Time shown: 8h39
